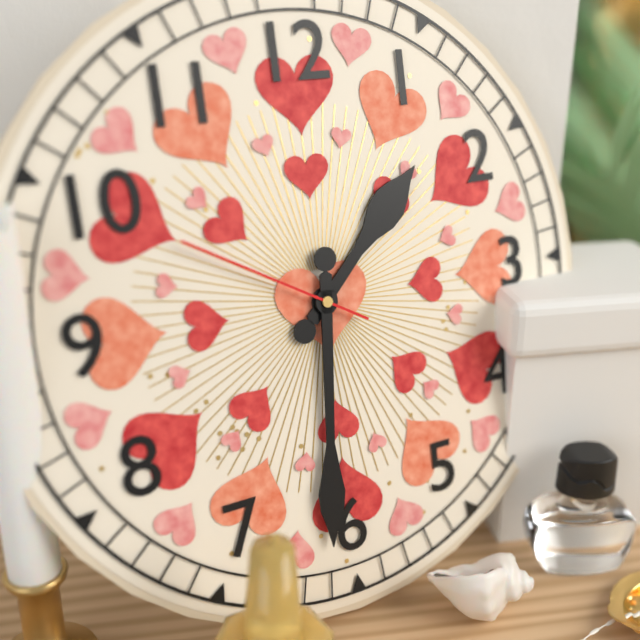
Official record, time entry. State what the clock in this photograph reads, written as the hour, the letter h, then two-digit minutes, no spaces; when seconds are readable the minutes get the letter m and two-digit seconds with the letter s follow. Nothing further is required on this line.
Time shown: 1h31m50s
